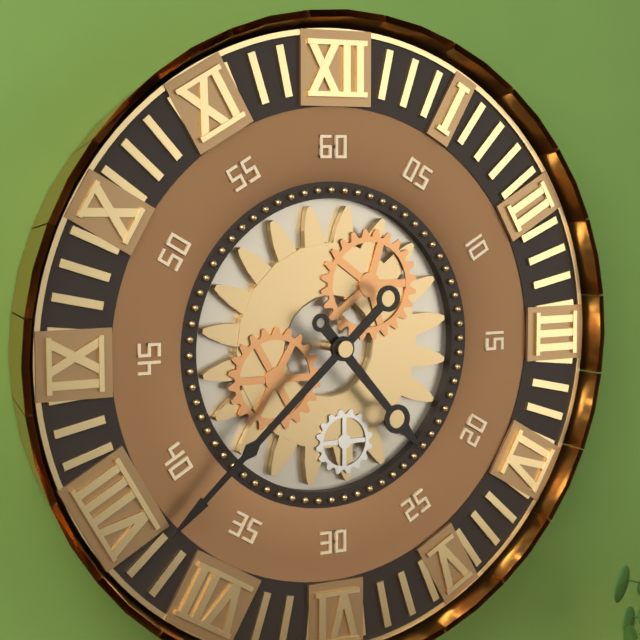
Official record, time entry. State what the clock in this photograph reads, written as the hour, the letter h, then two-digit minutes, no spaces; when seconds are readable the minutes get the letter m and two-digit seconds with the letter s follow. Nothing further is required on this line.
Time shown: 4h38
